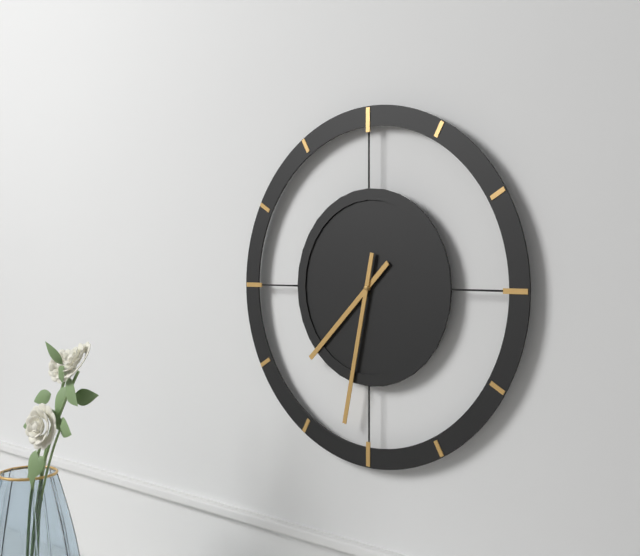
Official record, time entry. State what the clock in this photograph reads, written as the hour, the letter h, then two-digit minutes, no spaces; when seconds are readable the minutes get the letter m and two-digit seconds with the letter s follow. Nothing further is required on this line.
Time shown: 7h32
